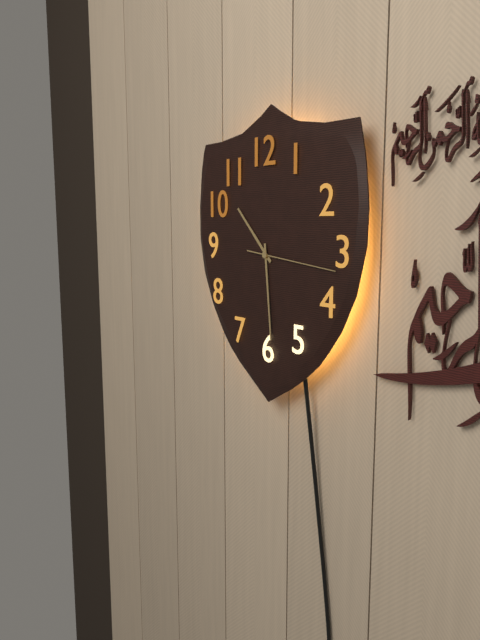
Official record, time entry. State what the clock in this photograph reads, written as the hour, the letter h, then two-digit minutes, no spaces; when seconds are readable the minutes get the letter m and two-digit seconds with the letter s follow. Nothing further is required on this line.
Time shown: 10h29m16s
